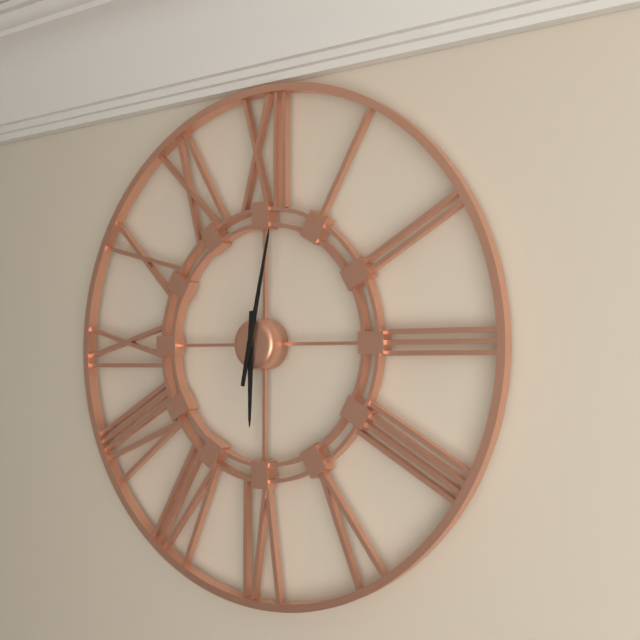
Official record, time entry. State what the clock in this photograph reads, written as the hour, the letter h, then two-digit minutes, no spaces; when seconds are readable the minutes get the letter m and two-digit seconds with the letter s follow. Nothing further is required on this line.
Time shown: 6h02
